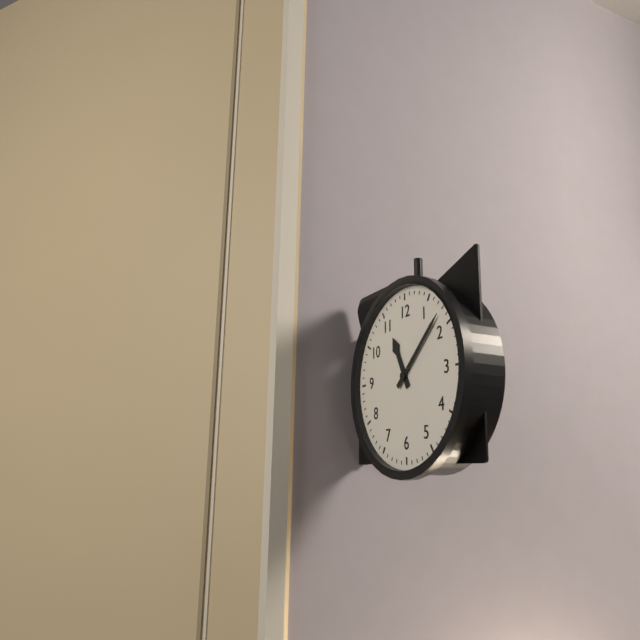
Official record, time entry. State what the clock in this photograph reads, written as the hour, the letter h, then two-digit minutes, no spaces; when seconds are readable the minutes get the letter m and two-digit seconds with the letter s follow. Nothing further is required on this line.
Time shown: 11h08
